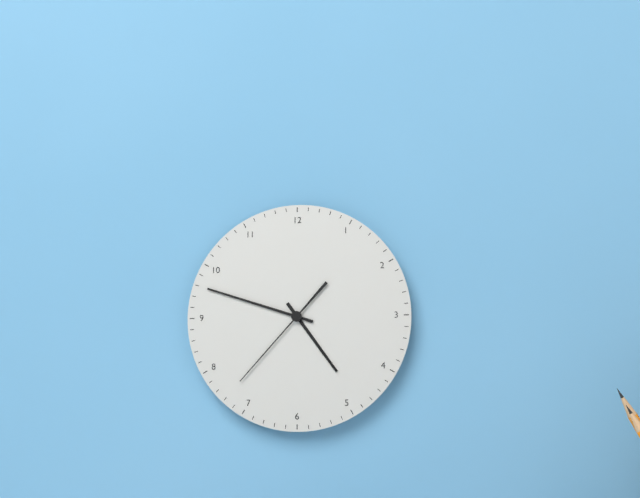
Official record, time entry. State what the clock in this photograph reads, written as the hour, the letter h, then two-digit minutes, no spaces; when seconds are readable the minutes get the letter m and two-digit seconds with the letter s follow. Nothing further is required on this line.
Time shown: 4h48m37s
